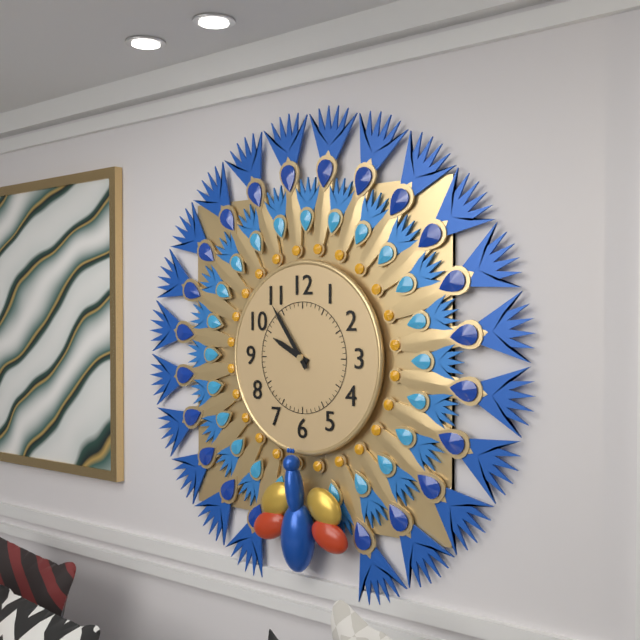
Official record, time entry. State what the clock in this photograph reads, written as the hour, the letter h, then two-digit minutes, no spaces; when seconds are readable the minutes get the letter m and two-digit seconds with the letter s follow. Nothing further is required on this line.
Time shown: 9h54
